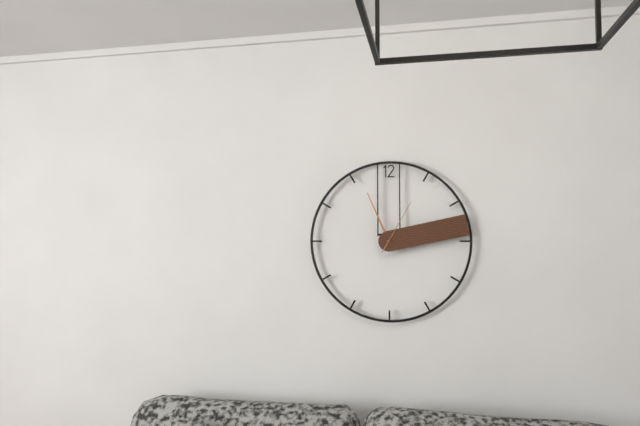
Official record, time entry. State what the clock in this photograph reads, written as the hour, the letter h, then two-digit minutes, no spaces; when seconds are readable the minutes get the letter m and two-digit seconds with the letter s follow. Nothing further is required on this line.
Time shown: 11h13m05s
